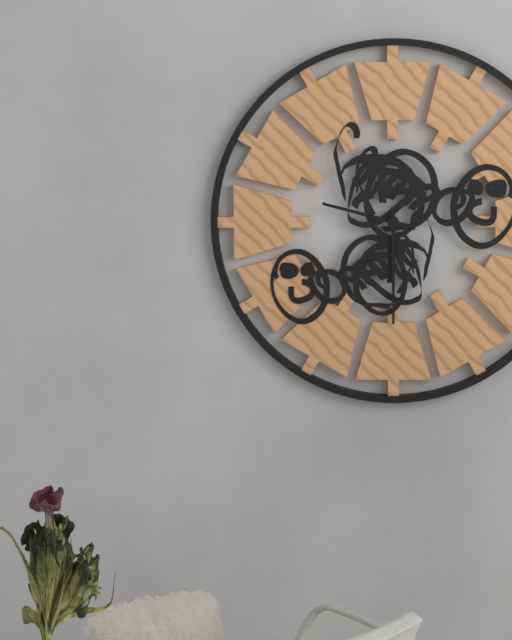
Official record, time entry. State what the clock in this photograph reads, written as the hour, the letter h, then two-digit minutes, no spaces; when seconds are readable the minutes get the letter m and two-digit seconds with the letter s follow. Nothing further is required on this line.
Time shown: 9h30
